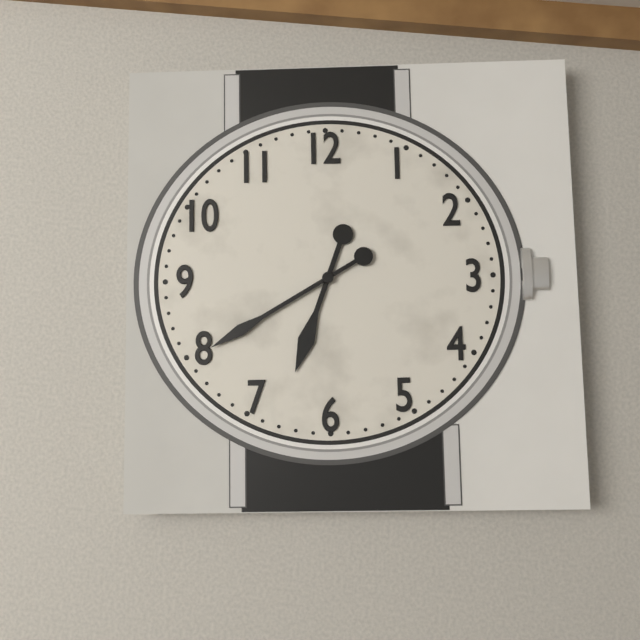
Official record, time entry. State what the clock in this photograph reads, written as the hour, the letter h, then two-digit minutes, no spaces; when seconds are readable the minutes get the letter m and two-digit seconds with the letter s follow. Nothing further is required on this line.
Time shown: 6h40
